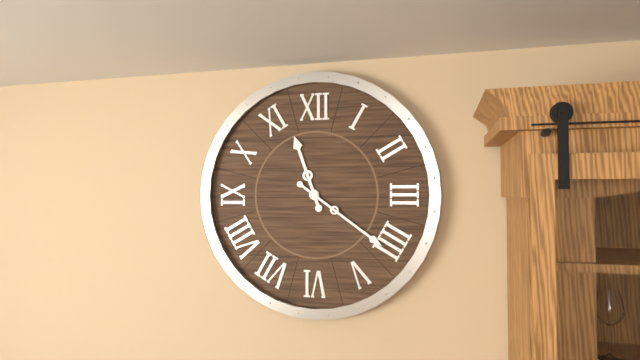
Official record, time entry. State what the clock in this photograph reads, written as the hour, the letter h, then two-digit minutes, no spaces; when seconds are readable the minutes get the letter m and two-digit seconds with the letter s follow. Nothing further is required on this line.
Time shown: 11h21
